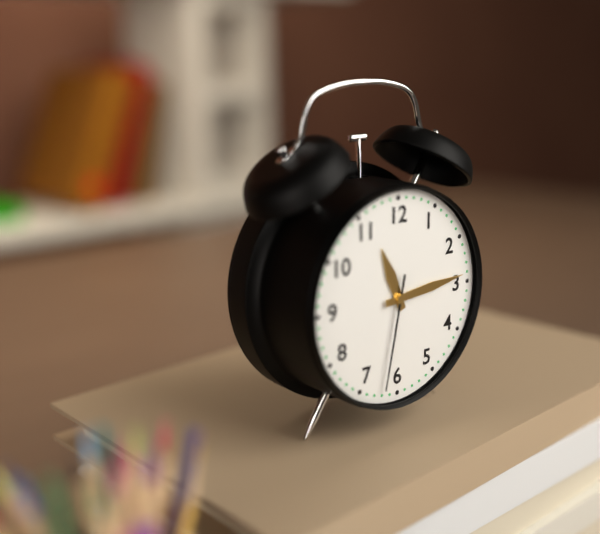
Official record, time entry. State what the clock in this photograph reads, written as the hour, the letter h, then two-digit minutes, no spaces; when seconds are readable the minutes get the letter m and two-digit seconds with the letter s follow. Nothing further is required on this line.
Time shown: 11h14m32s
